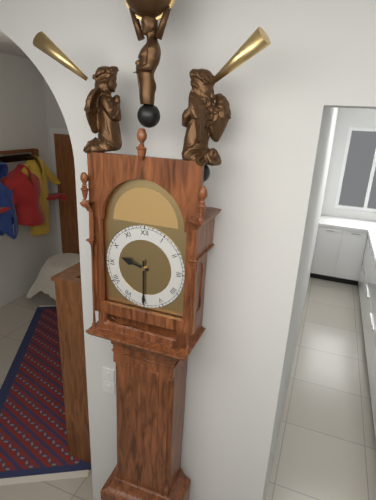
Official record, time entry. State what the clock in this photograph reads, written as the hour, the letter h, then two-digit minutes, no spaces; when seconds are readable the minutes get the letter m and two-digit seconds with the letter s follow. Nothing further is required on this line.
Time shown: 9h30
